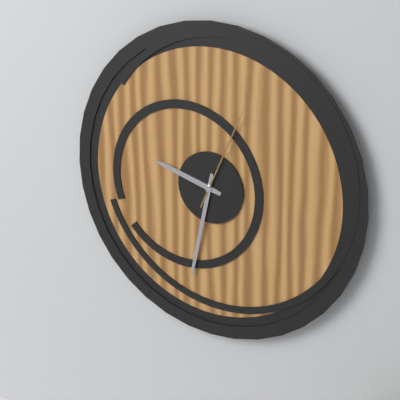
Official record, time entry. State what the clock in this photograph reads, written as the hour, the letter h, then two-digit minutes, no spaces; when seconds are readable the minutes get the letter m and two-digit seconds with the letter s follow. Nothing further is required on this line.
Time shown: 9h32m04s
